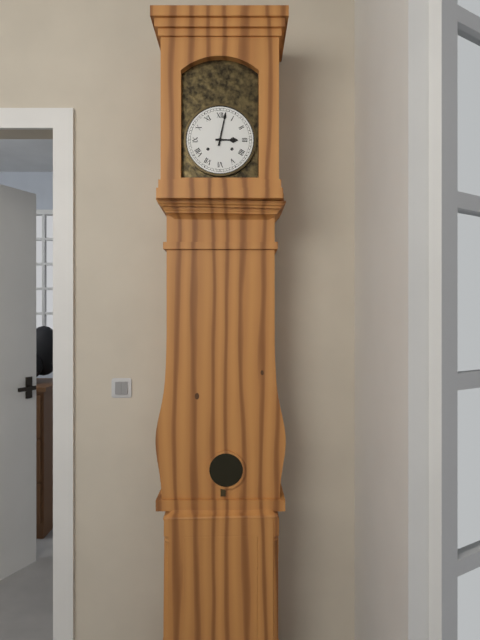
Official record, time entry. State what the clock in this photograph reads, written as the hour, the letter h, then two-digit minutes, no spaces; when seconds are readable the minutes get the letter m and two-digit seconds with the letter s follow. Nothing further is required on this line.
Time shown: 3h02
